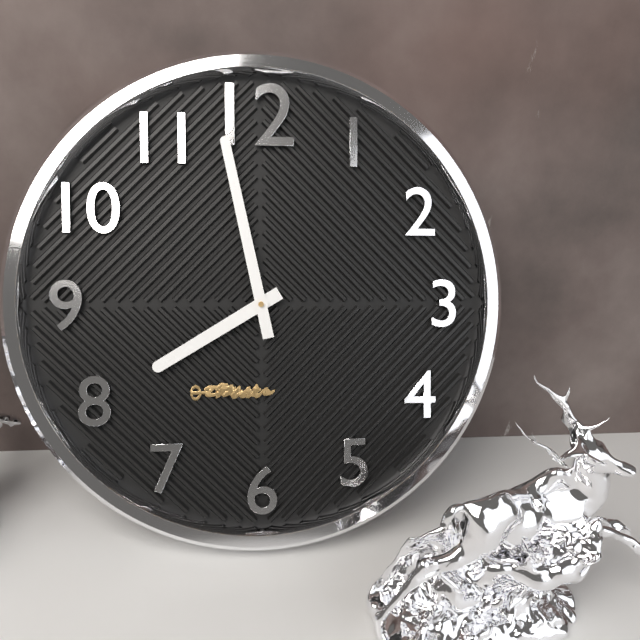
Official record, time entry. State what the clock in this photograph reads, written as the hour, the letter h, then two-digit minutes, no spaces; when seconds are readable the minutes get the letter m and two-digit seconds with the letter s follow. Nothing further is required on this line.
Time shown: 7h58
